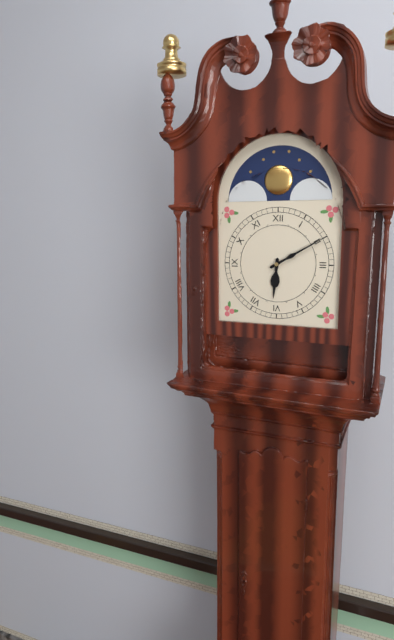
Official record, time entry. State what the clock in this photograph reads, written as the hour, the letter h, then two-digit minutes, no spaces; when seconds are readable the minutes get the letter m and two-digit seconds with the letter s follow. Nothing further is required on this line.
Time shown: 6h10
